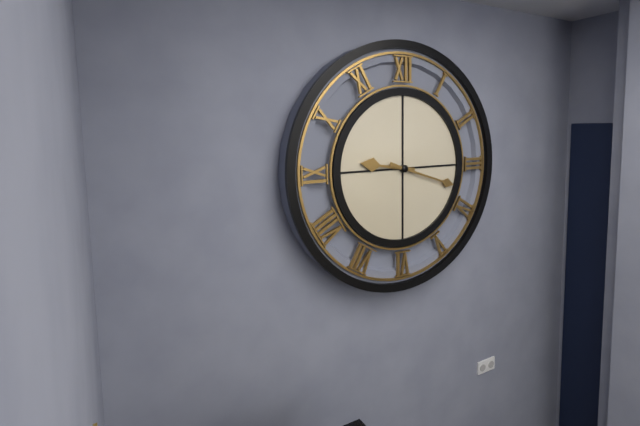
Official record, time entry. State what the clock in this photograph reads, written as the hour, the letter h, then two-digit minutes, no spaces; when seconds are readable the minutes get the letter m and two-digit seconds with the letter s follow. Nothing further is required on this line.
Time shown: 9h18
